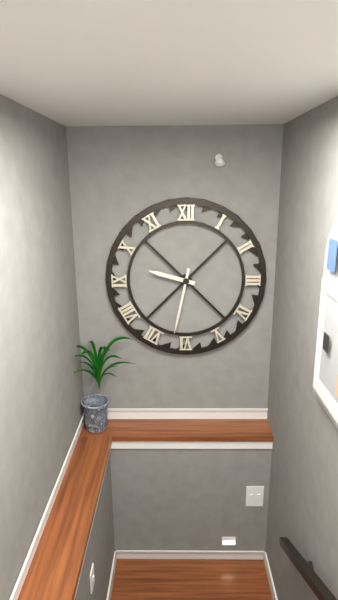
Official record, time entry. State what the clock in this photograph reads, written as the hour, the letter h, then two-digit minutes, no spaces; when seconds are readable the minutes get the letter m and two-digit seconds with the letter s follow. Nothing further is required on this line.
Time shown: 9h32
